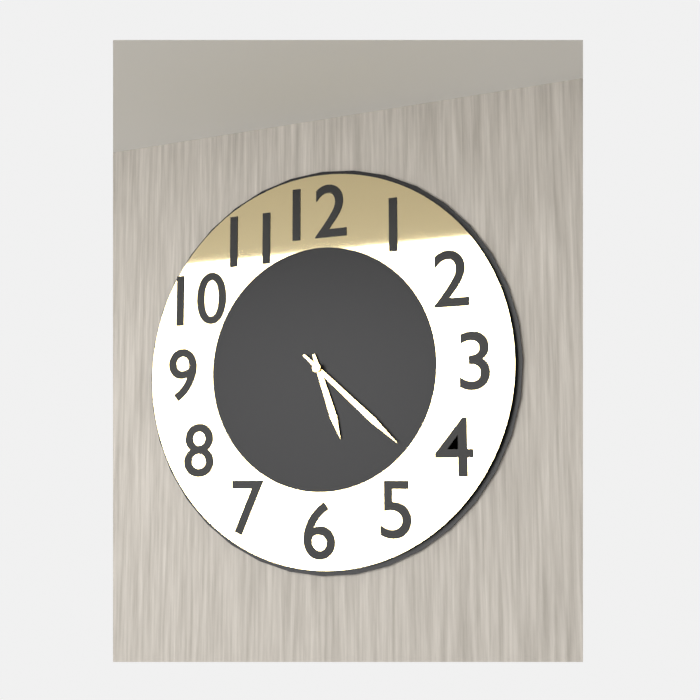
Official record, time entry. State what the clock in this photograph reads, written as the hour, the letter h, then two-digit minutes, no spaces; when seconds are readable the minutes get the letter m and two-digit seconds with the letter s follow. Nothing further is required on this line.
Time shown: 5h22
